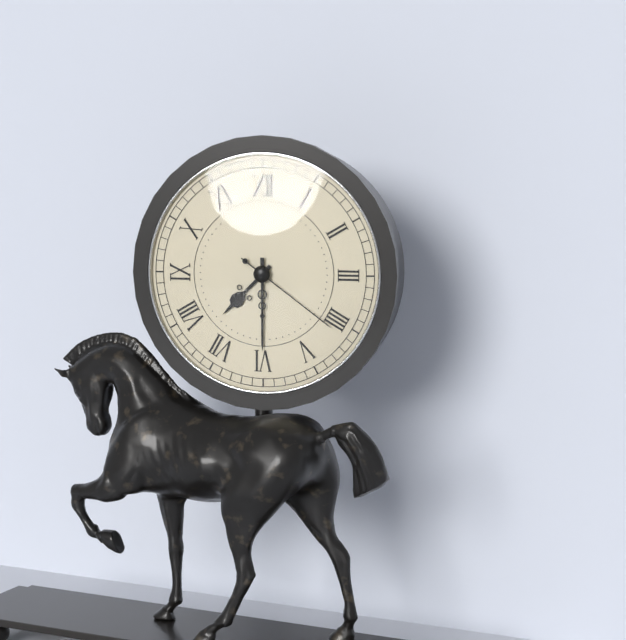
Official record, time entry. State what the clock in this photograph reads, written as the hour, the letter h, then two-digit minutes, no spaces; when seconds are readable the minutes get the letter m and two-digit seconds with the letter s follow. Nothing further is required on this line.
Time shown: 7h30m21s
